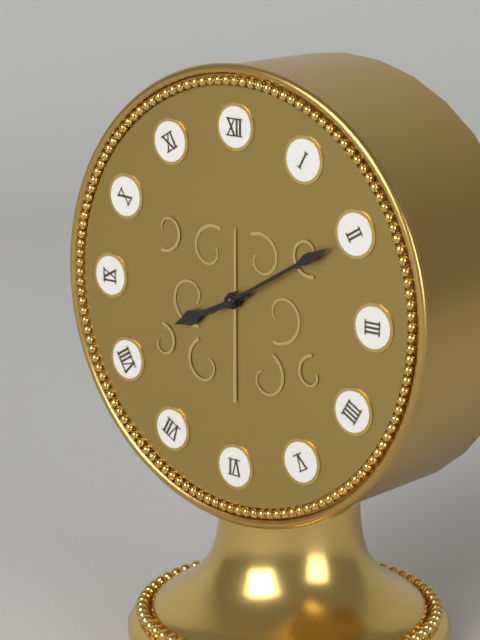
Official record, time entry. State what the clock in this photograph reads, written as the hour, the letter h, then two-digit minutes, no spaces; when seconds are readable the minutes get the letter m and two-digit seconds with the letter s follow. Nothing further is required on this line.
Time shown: 8h10
